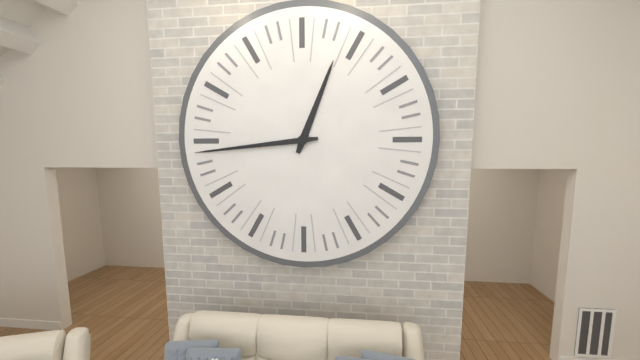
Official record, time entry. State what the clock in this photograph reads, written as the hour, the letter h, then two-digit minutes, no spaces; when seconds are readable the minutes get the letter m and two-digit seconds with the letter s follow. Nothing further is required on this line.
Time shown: 12h44
